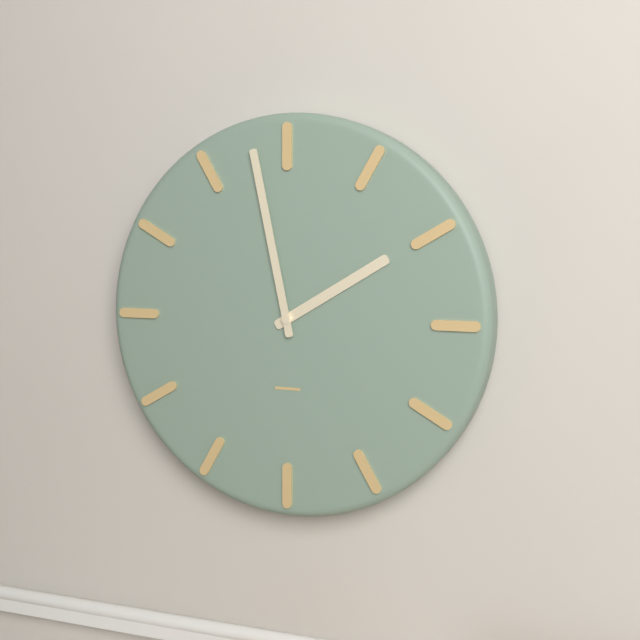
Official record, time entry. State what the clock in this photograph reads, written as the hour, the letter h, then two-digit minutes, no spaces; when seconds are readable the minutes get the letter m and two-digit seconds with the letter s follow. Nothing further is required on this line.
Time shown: 1h58
